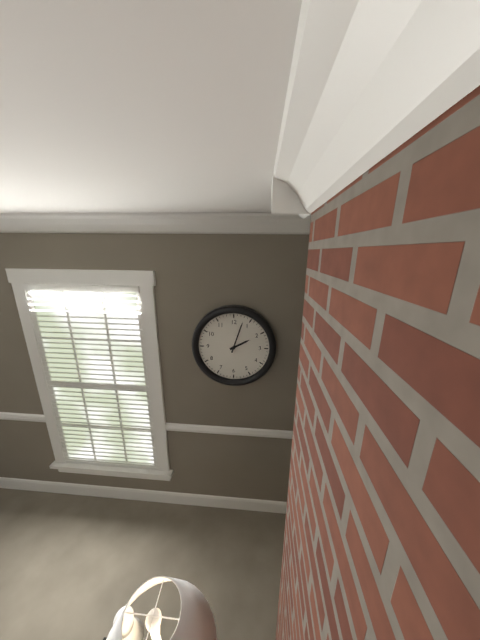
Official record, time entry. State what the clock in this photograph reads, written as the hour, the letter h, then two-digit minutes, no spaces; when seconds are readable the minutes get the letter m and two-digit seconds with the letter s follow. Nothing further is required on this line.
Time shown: 2h03
